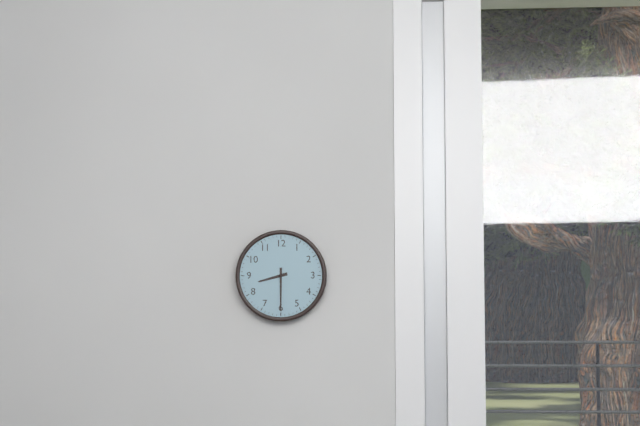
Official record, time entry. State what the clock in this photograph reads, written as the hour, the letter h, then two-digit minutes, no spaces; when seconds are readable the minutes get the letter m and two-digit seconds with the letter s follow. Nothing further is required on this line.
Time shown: 8h30
